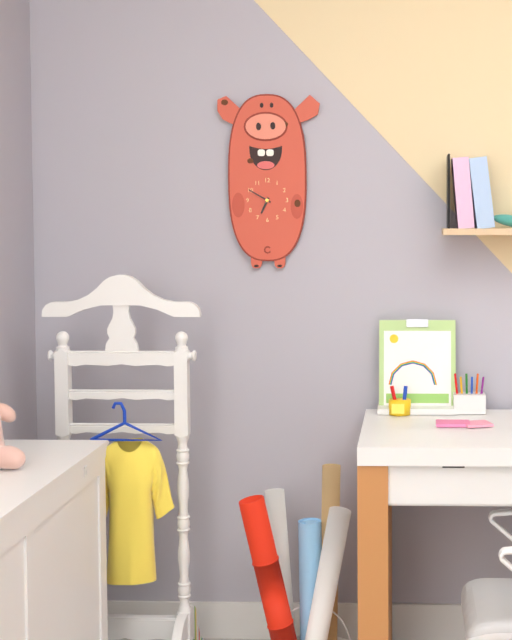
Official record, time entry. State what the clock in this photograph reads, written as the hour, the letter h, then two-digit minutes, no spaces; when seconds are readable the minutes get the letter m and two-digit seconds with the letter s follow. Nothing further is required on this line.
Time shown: 6h50
